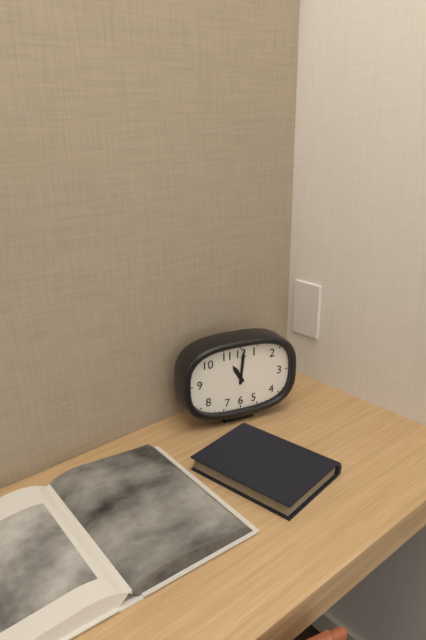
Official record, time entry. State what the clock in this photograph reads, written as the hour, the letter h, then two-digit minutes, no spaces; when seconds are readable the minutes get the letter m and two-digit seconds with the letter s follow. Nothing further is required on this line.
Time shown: 11h01
